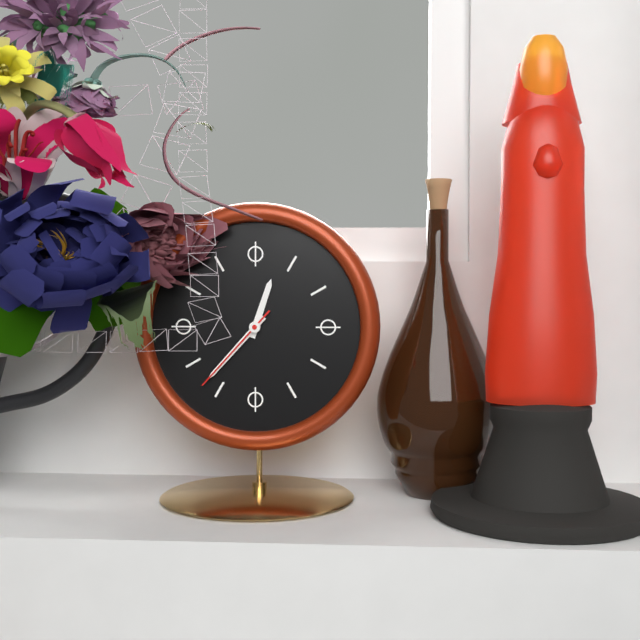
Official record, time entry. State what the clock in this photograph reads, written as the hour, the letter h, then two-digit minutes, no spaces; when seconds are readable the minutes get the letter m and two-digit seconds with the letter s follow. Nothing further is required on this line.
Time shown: 12h37m37s
